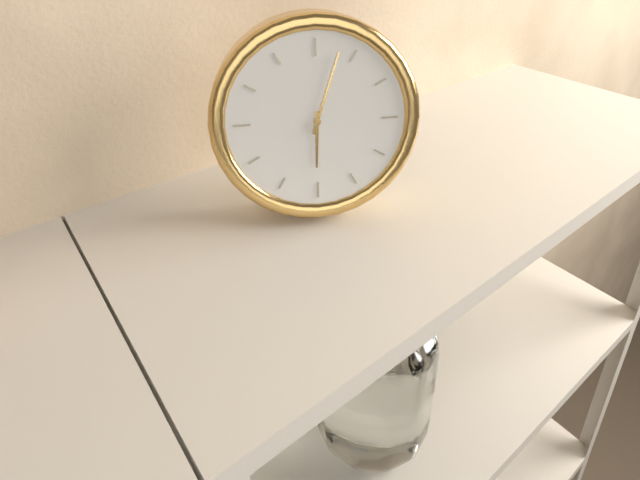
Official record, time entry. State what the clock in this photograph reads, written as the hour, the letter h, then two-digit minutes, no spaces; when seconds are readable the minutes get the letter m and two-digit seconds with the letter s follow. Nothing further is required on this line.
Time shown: 6h03
